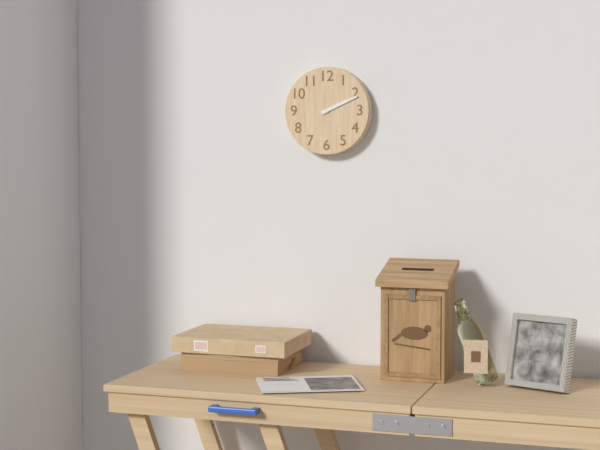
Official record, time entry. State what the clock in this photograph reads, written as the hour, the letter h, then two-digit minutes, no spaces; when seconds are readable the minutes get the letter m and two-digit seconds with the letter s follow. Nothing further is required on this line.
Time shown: 2h11
